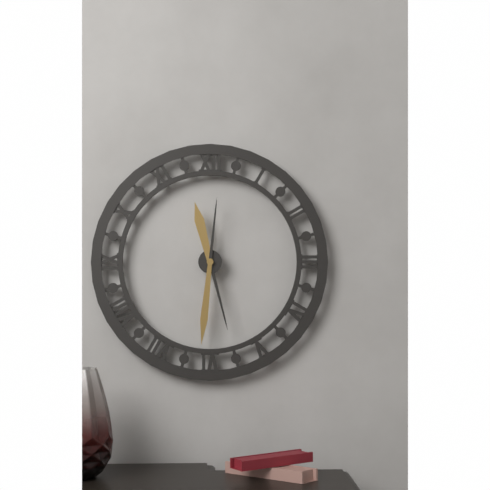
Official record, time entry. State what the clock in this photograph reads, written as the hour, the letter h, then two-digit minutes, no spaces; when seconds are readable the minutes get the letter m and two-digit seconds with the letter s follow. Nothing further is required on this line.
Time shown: 11h31
